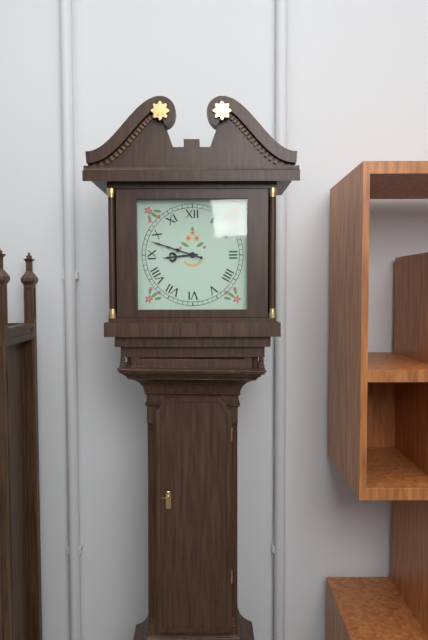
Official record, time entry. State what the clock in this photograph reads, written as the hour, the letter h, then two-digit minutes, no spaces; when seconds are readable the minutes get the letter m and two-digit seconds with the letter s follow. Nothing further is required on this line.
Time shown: 8h48
